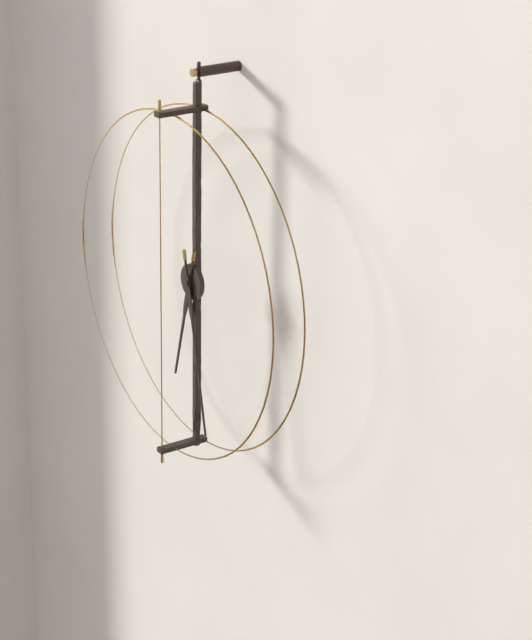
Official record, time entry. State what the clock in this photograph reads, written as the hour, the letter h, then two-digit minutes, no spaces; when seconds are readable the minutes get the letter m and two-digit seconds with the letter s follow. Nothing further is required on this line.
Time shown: 6h28
